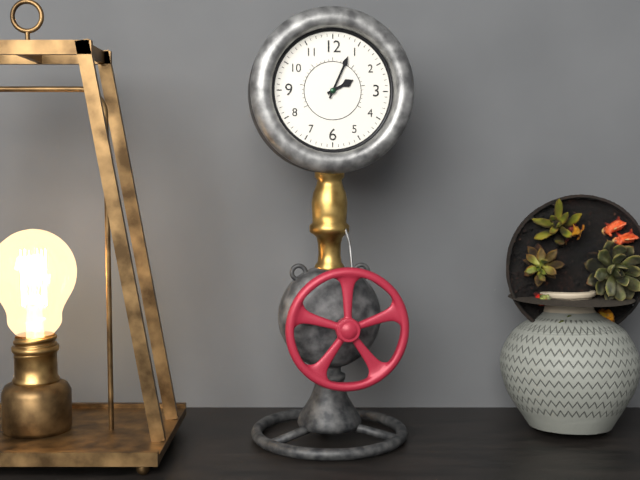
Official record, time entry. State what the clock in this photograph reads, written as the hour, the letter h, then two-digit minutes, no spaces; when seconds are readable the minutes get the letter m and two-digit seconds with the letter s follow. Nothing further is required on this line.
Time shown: 2h04
